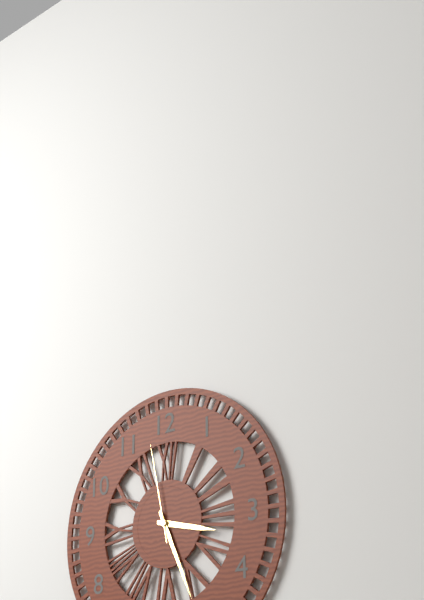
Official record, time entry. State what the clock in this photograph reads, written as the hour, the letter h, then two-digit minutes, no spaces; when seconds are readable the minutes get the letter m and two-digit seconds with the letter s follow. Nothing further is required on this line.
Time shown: 3h26m58s
